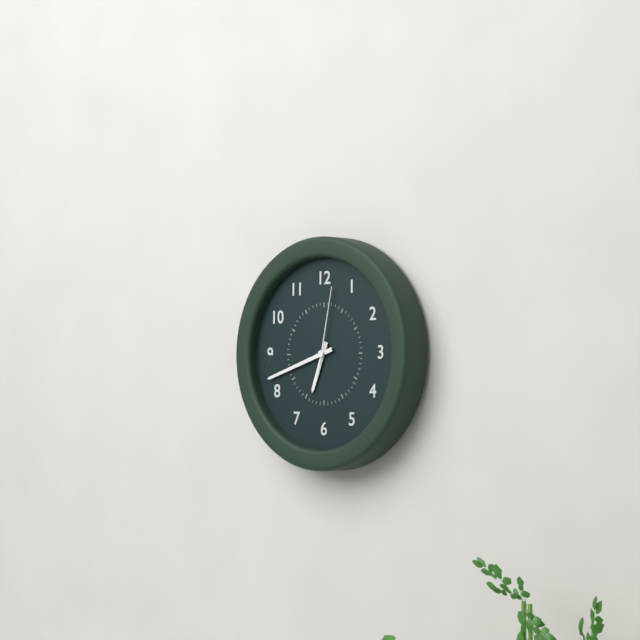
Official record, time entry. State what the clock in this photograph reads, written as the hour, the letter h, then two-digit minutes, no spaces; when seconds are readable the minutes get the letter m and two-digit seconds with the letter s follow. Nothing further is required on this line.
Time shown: 6h42m02s
